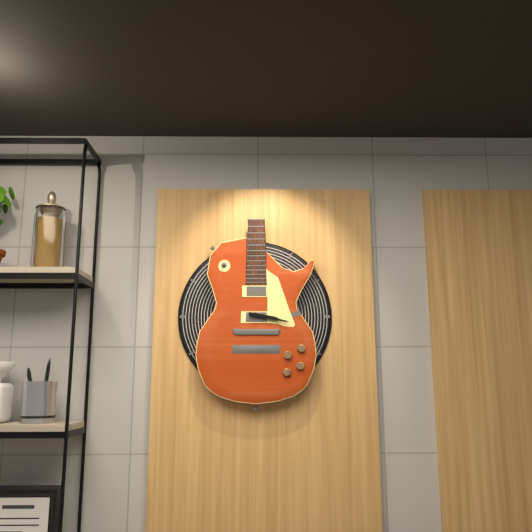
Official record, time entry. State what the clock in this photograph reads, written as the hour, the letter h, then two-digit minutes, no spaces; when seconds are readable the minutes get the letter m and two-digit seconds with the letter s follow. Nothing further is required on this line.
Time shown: 3h17
